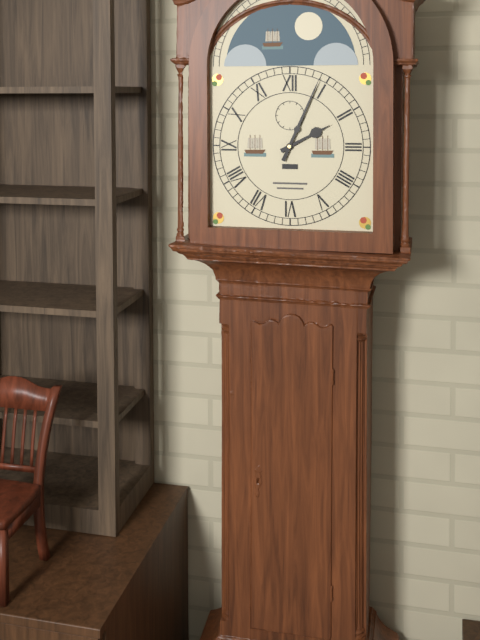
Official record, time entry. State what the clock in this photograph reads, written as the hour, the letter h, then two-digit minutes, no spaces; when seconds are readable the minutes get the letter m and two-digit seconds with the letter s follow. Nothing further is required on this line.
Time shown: 2h04
